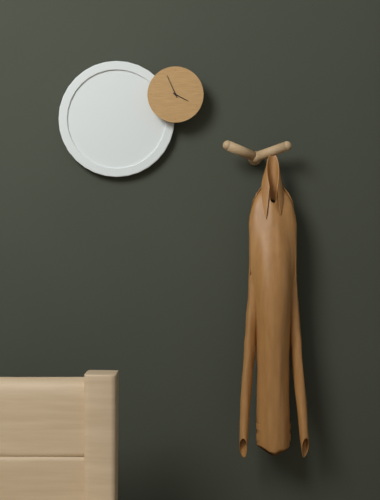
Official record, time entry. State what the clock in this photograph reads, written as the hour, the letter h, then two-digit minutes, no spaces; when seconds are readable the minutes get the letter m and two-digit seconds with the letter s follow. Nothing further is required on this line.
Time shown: 3h56
